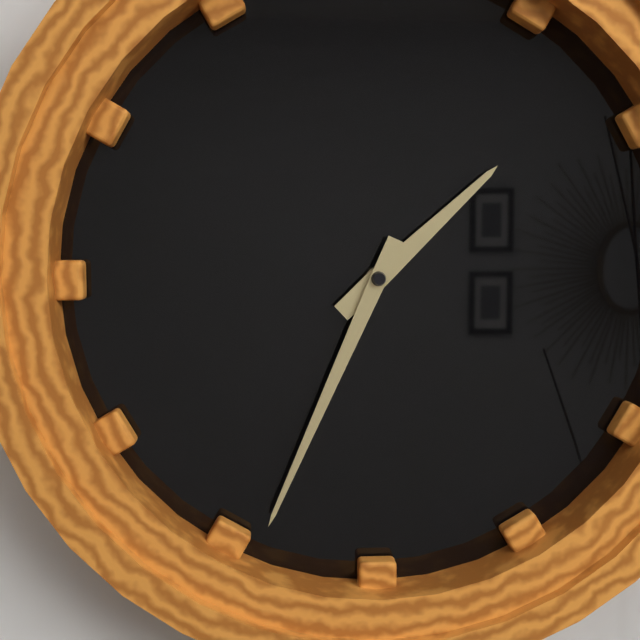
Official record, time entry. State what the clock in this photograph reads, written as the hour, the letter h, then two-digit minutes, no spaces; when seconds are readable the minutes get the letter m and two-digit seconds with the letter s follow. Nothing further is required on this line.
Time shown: 1h34
